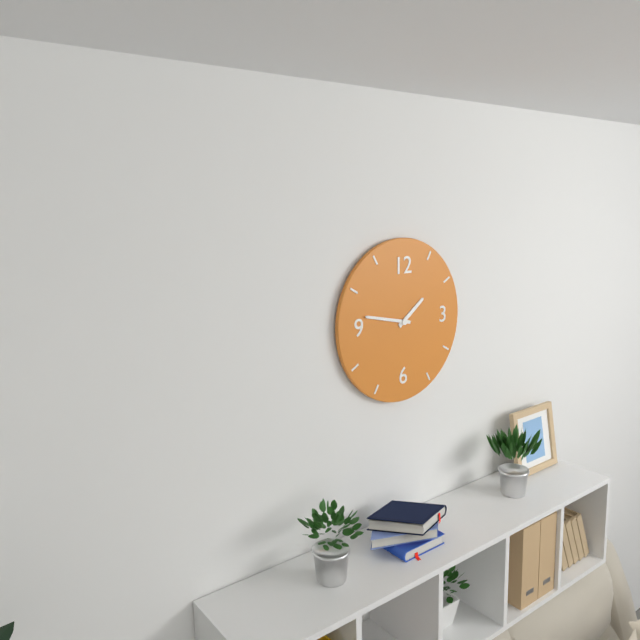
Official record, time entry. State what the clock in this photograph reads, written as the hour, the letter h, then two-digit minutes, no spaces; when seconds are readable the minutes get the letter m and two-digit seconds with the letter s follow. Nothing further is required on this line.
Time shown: 1h47
